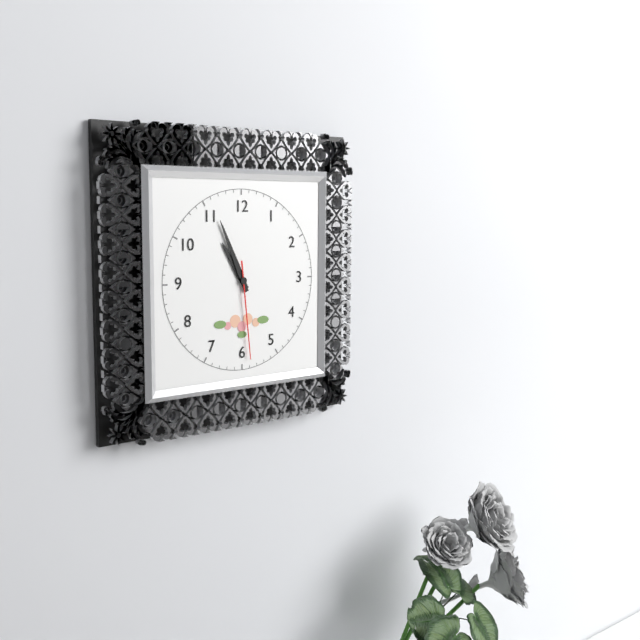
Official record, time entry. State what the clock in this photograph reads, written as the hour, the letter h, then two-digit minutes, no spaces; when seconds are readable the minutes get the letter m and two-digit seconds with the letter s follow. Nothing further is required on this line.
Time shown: 10h56m29s
